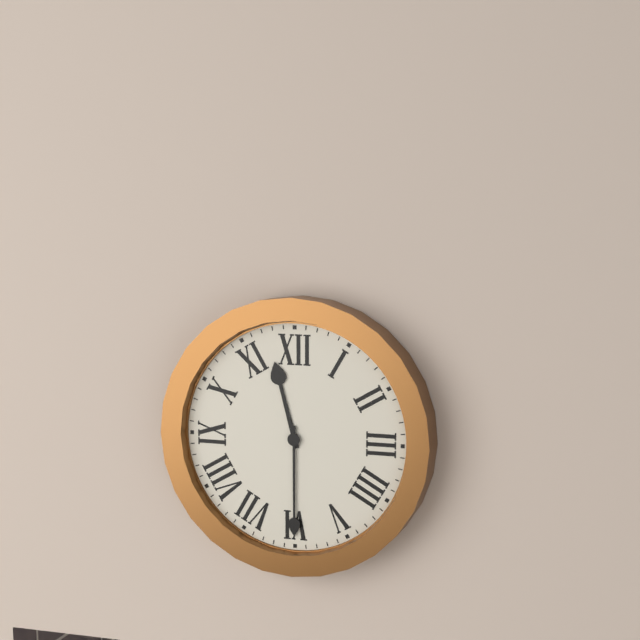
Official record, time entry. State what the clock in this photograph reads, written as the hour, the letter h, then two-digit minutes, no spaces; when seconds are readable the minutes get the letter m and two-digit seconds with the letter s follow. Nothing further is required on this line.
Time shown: 11h30
